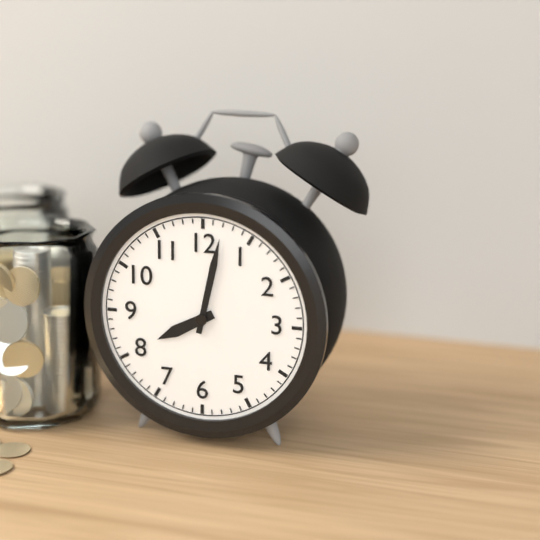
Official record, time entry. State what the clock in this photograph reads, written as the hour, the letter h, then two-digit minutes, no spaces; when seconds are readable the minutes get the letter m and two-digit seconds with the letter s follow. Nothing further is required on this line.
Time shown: 8h02
